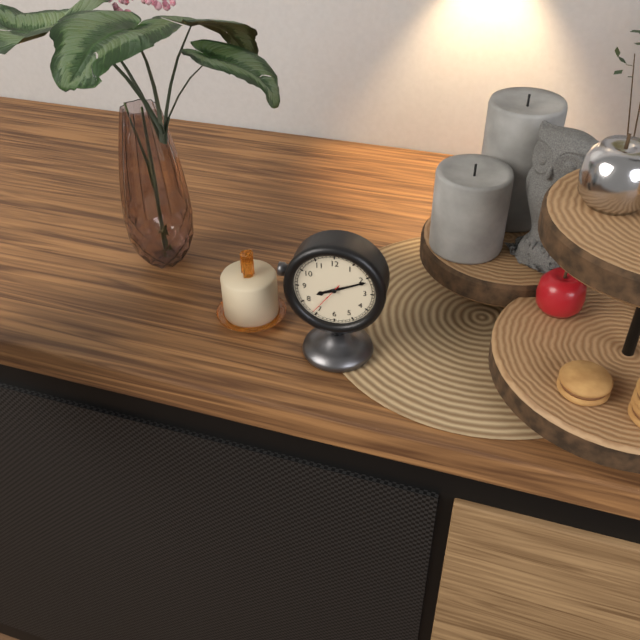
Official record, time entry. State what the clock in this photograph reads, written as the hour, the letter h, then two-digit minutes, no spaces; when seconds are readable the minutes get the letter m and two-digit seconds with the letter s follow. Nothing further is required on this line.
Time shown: 8h11
